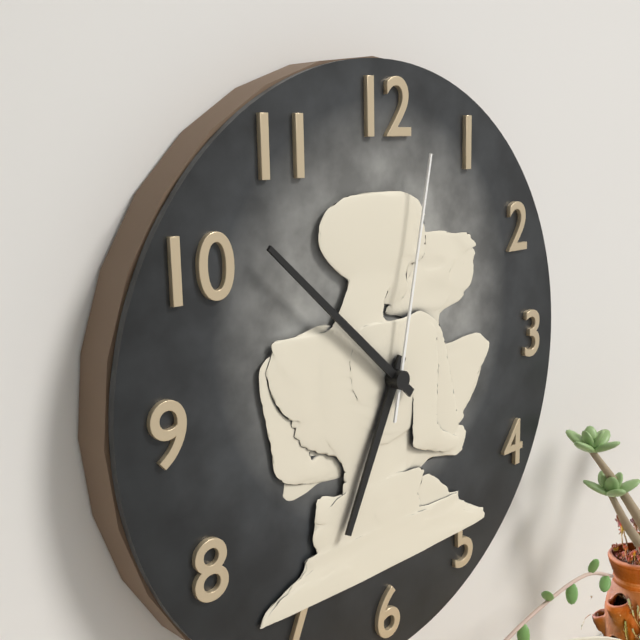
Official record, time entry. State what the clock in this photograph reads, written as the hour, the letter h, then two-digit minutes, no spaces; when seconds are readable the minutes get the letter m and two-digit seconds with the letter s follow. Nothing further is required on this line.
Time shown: 6h52m02s
